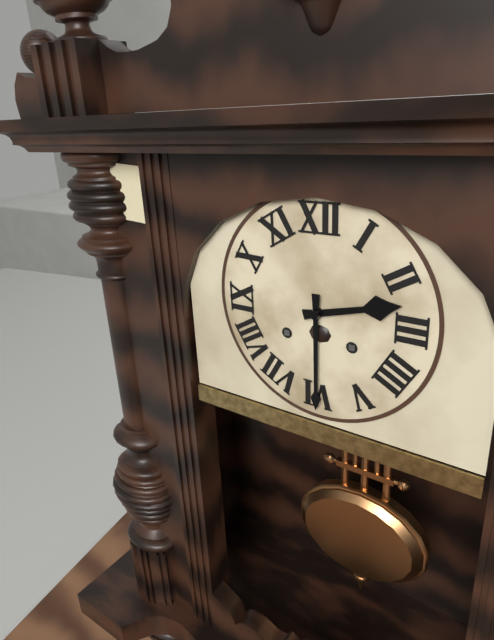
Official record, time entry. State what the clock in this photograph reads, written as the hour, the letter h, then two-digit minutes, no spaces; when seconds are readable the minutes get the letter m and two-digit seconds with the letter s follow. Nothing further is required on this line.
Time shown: 2h30
